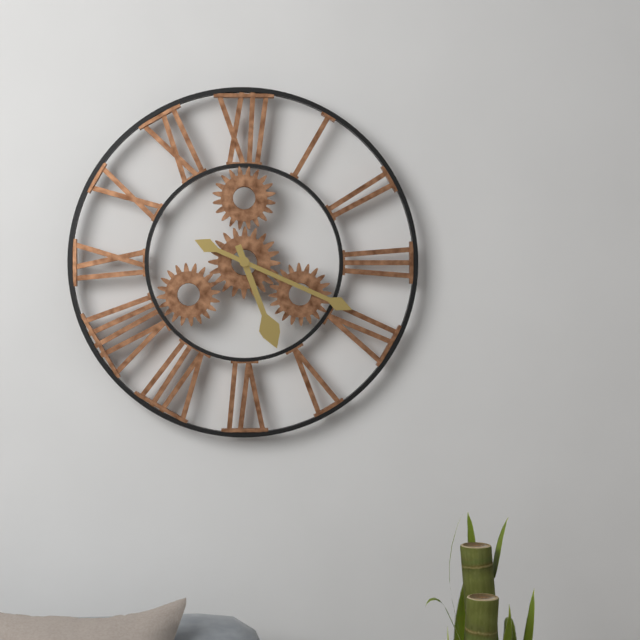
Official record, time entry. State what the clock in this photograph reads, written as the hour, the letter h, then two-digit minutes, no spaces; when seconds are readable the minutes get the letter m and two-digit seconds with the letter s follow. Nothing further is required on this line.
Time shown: 5h19
